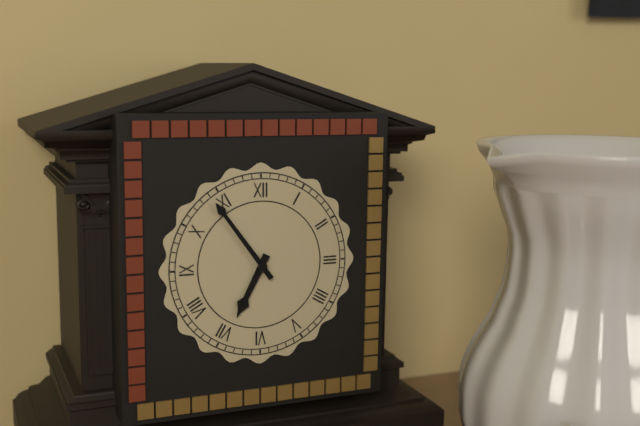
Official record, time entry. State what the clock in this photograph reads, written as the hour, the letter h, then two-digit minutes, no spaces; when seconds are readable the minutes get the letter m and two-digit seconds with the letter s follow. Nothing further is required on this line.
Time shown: 6h54
